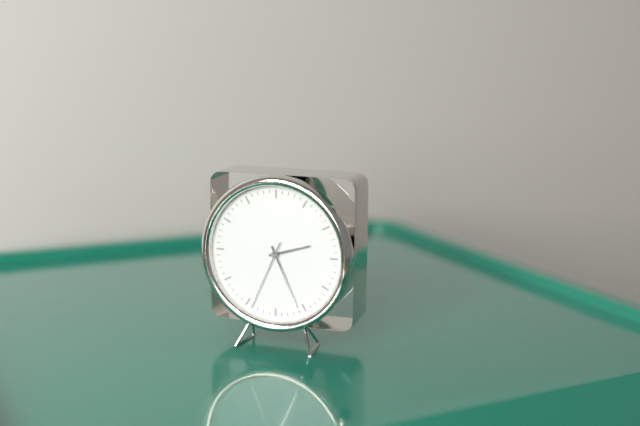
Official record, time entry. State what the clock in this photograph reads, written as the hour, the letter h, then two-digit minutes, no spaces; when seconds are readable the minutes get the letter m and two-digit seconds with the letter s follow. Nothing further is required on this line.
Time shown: 2h26m34s
